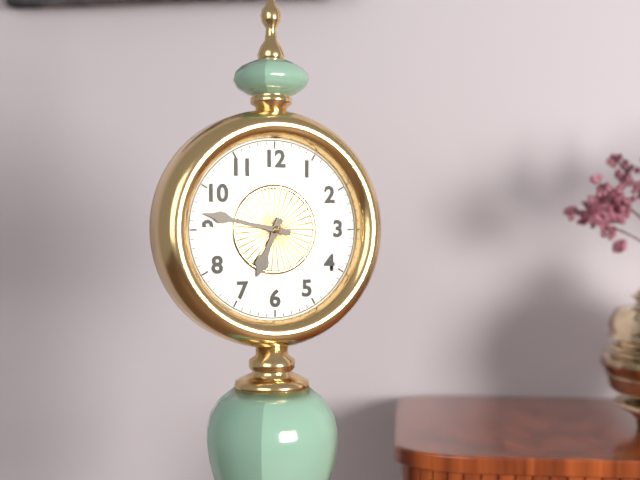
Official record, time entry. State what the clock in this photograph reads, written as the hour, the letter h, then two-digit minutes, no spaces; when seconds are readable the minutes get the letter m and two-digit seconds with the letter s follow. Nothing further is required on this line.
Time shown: 6h47
